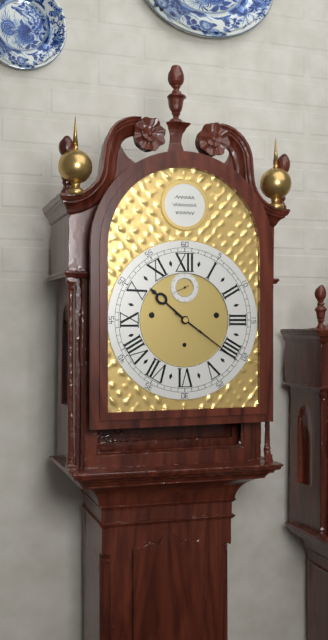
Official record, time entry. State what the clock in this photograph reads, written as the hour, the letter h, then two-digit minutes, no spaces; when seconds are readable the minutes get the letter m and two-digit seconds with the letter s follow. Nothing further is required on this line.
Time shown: 10h21
